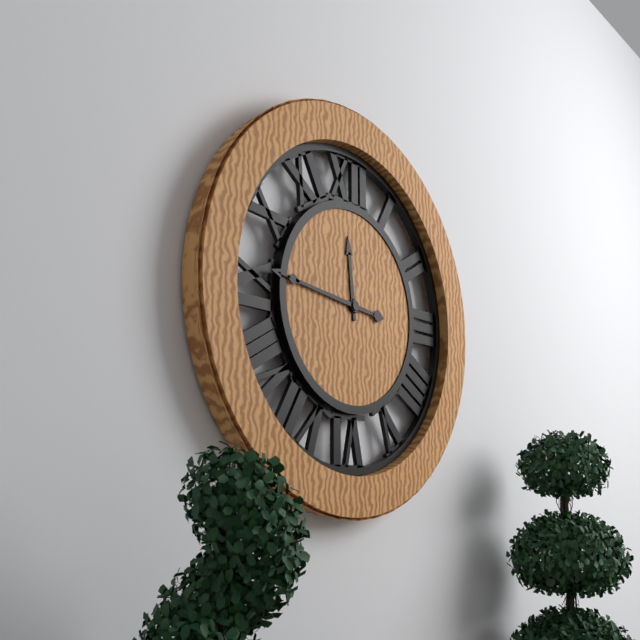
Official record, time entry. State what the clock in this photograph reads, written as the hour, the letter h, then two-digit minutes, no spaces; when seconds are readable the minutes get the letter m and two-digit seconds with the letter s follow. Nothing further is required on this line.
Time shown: 11h46
